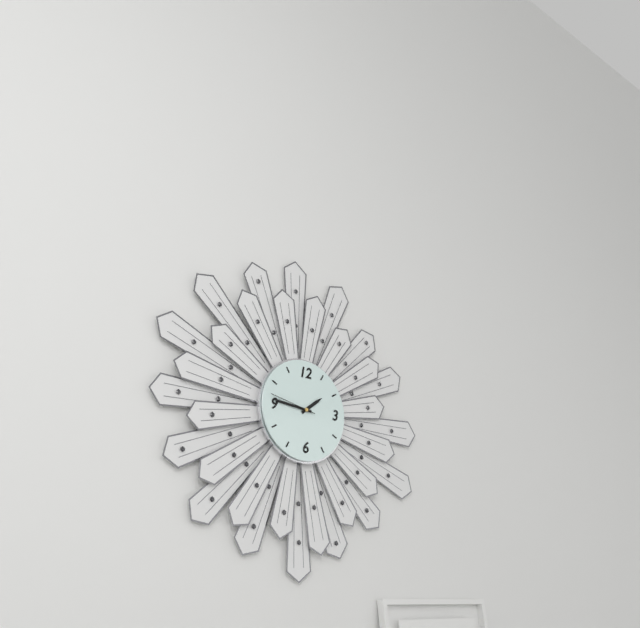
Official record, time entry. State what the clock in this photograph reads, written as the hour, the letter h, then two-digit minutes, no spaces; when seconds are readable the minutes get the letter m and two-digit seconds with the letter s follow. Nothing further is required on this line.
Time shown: 1h46
